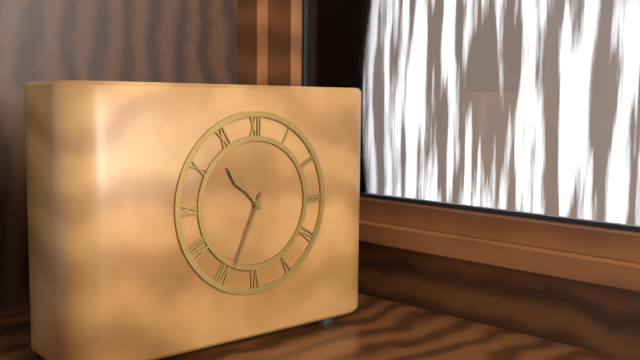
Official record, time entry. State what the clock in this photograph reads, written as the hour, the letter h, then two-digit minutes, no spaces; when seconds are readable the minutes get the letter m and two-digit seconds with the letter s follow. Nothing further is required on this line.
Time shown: 10h34
